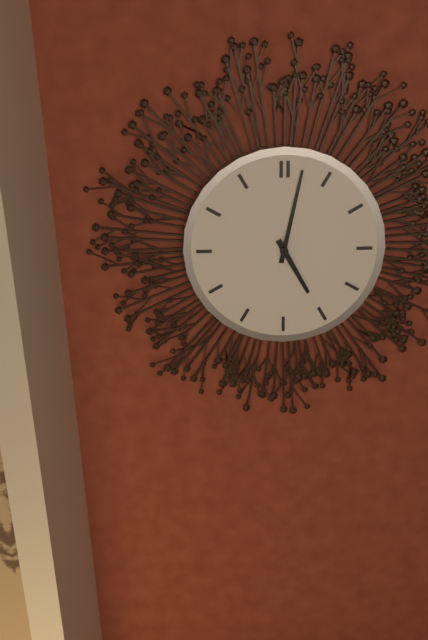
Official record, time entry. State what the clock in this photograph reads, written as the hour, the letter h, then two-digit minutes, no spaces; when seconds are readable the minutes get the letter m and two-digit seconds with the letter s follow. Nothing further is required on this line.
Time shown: 5h02
